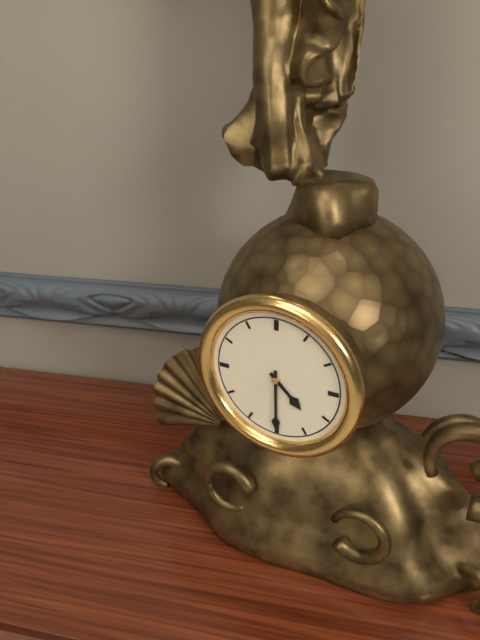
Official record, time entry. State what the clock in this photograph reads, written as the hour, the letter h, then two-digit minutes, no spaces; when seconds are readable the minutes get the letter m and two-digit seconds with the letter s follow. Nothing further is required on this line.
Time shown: 4h30
